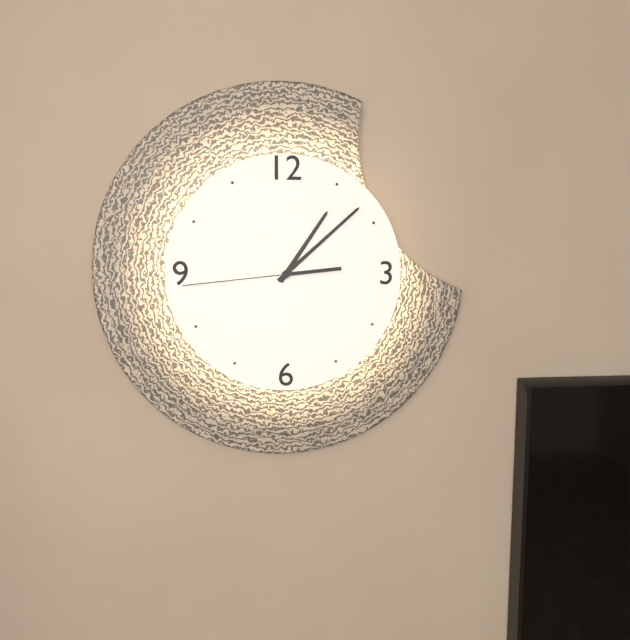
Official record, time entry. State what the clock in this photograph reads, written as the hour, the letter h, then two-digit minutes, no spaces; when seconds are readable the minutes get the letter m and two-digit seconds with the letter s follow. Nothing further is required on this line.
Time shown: 1h08m44s
